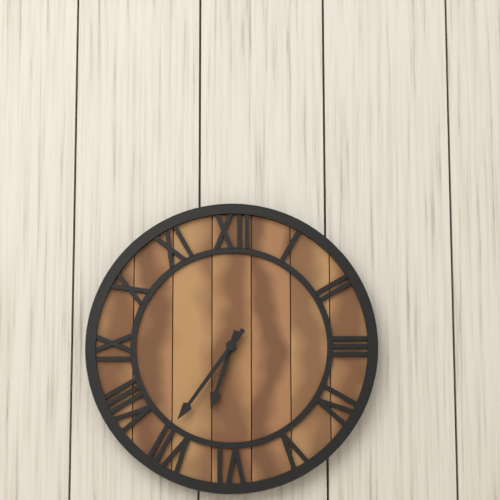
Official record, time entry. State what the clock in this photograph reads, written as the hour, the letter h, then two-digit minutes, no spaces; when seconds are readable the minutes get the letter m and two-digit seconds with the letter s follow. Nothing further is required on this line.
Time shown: 6h36
